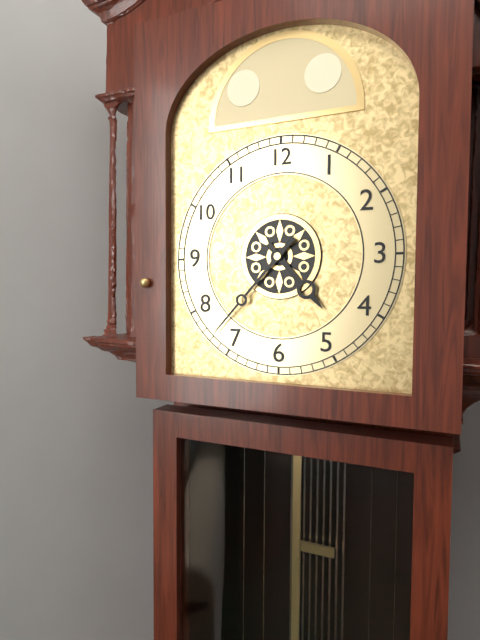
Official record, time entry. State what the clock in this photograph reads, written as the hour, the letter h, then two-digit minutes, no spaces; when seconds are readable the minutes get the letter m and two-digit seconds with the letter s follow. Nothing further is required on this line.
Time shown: 4h37
